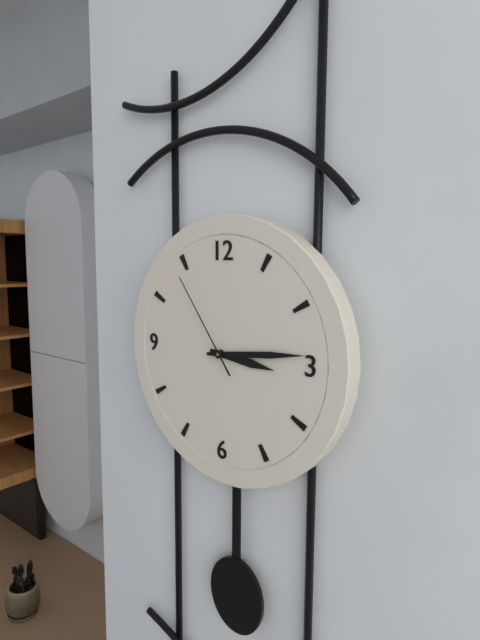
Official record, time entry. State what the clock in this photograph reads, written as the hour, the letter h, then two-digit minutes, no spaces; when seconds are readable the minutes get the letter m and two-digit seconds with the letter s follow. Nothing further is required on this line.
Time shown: 3h14m54s
